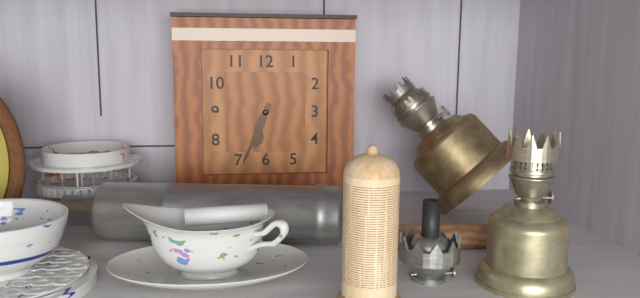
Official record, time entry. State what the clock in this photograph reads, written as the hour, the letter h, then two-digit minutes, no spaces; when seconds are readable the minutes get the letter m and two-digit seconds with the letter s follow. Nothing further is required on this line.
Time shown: 6h34
